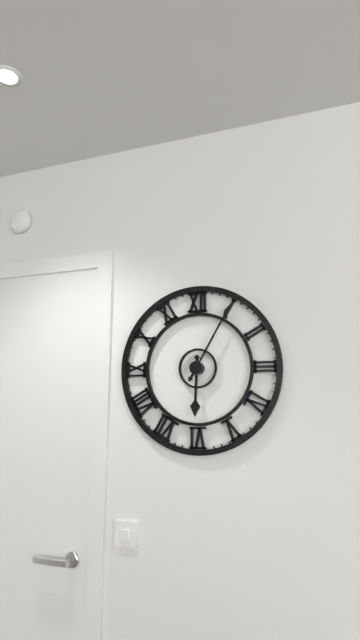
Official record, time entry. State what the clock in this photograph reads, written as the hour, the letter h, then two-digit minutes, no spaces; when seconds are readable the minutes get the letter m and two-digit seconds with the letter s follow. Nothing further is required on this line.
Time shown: 6h05
